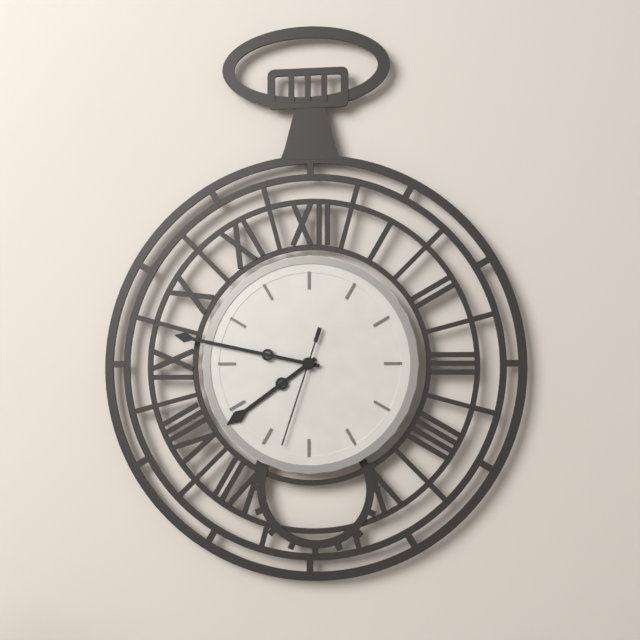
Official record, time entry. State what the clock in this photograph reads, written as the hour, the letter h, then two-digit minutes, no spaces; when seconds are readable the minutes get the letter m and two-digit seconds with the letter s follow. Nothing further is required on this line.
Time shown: 7h47m33s
